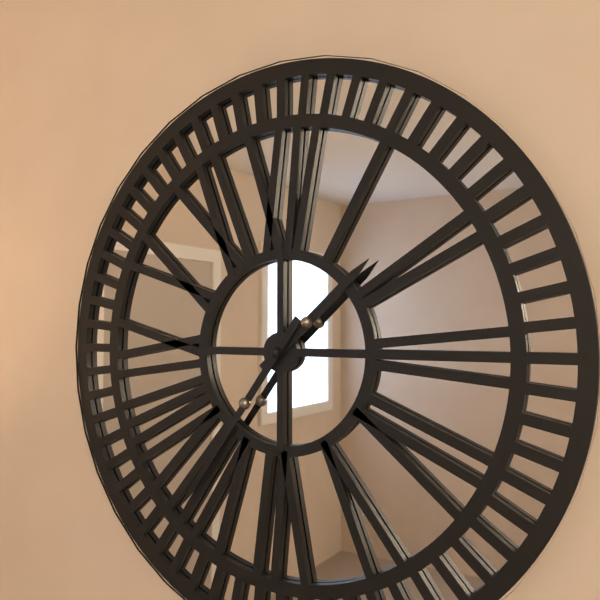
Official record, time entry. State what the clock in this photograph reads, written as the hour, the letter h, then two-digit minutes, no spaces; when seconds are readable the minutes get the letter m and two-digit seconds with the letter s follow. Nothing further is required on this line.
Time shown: 1h36
